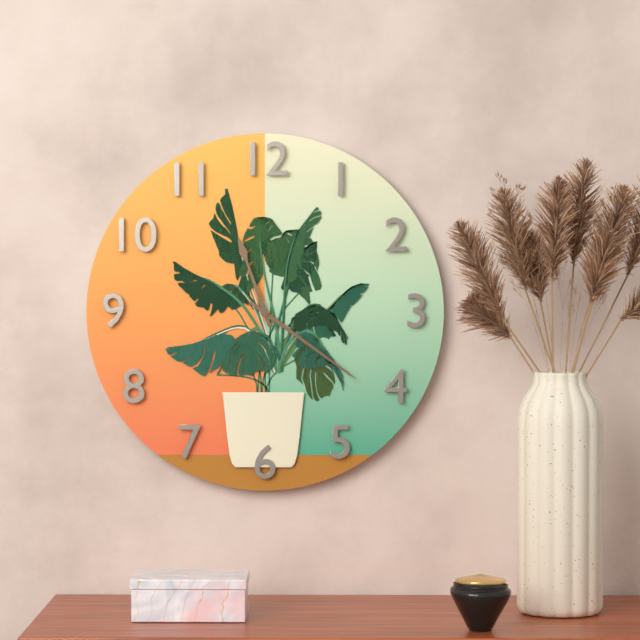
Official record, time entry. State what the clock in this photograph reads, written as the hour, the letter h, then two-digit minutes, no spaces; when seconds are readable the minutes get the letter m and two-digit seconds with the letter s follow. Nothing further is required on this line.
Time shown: 11h21
